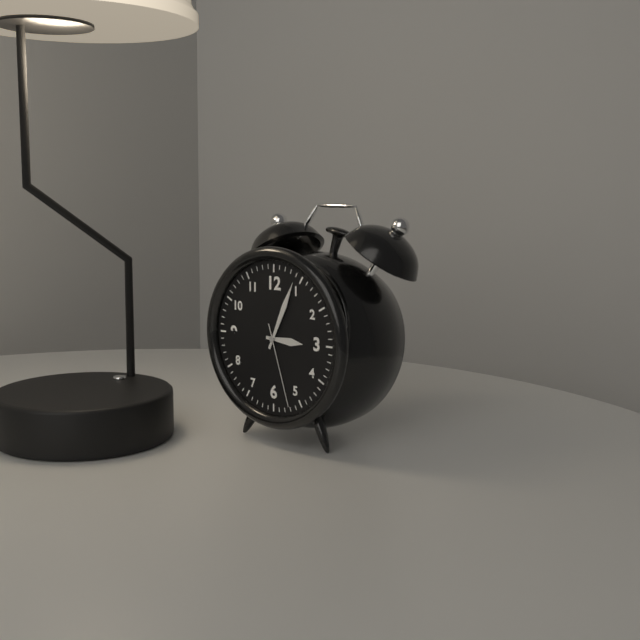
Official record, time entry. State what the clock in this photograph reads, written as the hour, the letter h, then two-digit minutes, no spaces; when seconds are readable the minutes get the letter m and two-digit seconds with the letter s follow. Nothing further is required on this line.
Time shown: 3h04m27s
